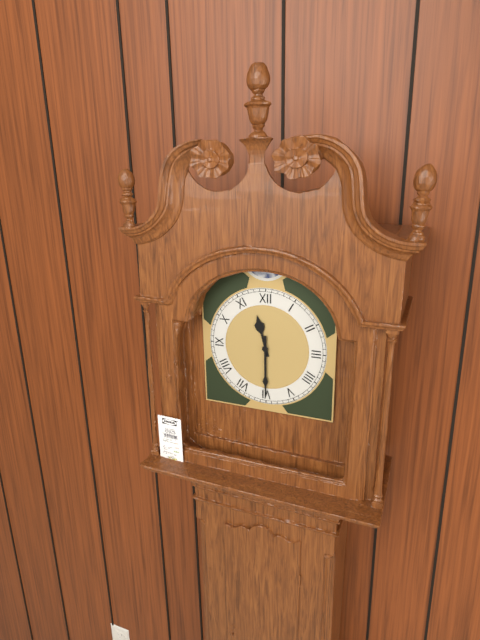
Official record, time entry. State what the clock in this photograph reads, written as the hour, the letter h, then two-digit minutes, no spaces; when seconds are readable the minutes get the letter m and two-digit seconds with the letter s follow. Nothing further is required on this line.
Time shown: 11h30
